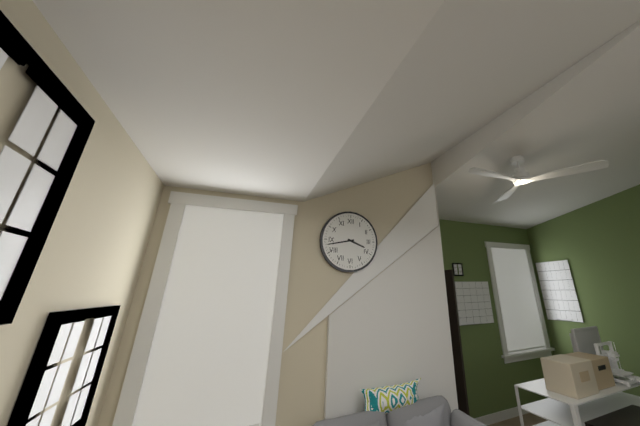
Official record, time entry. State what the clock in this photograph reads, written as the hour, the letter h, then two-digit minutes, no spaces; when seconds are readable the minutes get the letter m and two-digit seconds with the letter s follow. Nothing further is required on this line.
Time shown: 3h43
